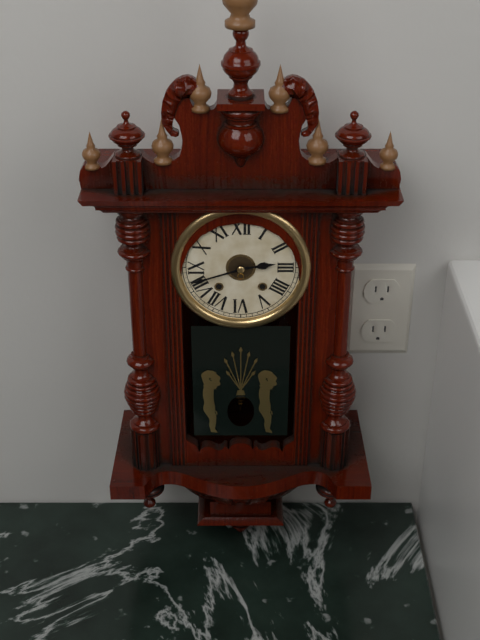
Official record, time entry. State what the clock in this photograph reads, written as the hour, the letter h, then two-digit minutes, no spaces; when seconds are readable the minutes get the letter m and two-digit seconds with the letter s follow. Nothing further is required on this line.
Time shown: 2h42
